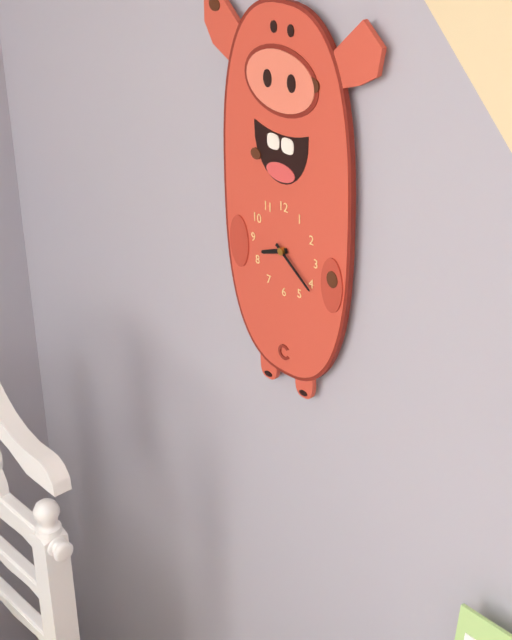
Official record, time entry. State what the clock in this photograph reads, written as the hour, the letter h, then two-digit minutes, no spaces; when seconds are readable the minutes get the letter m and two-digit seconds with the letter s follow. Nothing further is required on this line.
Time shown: 8h21
